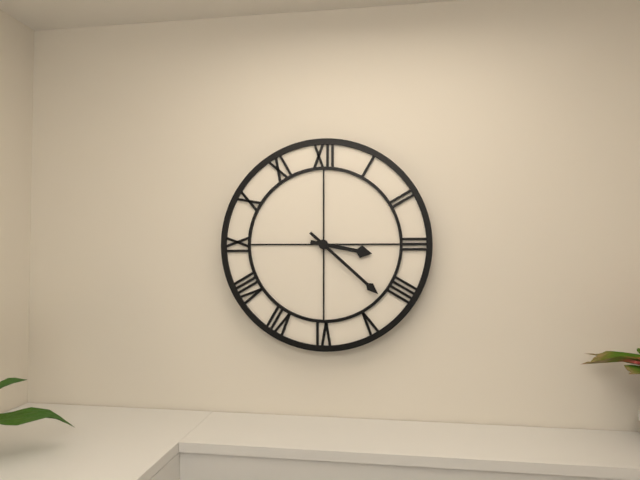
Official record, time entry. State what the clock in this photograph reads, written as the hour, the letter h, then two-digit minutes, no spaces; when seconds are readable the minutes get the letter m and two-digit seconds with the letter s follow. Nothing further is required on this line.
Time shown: 3h22
